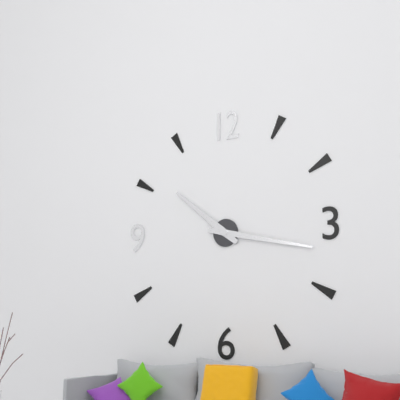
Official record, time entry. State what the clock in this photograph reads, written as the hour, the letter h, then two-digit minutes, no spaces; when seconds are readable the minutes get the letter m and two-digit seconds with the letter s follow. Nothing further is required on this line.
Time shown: 10h17
